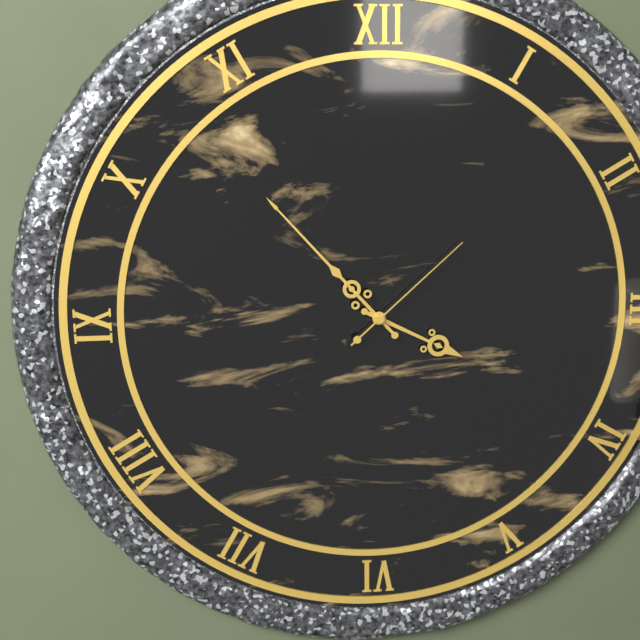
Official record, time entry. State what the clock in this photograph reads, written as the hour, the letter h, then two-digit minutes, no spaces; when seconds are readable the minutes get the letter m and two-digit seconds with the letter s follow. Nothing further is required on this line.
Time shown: 3h53m08s
